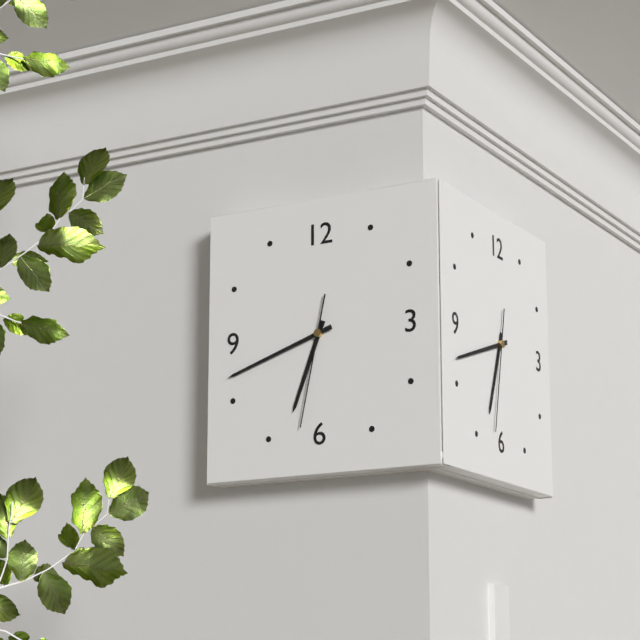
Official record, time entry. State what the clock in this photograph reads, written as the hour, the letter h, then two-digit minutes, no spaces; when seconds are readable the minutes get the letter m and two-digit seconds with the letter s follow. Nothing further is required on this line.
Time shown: 6h42m32s
